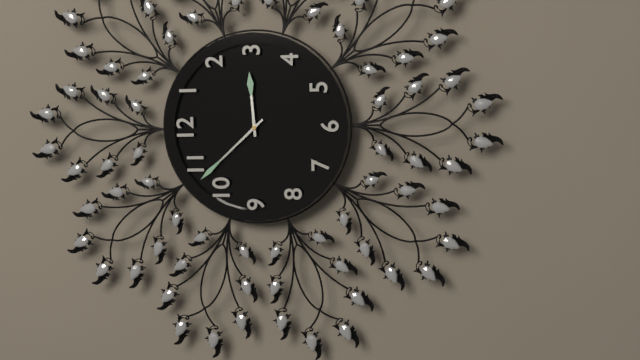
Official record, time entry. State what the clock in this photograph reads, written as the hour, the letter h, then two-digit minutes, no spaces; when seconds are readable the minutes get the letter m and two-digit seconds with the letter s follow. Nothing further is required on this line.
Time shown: 2h53
